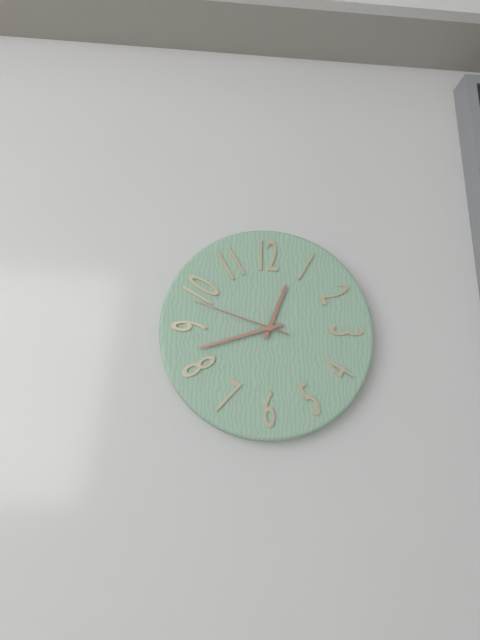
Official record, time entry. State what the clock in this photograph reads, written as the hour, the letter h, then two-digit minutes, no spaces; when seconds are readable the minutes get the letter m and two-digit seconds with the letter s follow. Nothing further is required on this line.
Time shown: 12h42m48s
